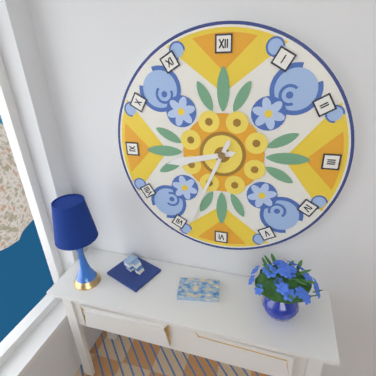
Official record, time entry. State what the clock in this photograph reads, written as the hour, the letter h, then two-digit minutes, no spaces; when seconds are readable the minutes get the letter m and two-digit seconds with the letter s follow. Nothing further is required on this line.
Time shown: 8h34
